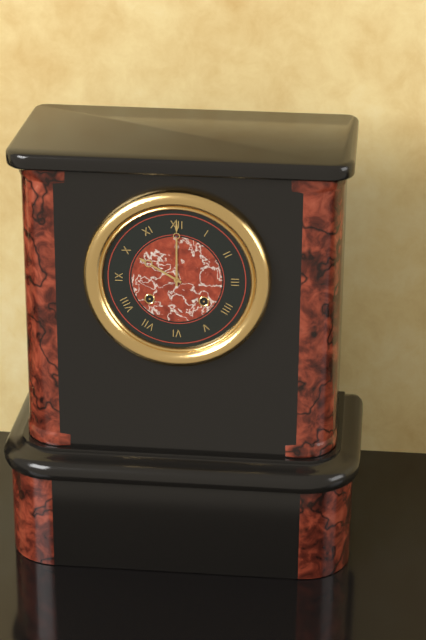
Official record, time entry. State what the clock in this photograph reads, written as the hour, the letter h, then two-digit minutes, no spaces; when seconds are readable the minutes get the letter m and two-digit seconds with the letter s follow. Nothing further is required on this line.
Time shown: 10h00
